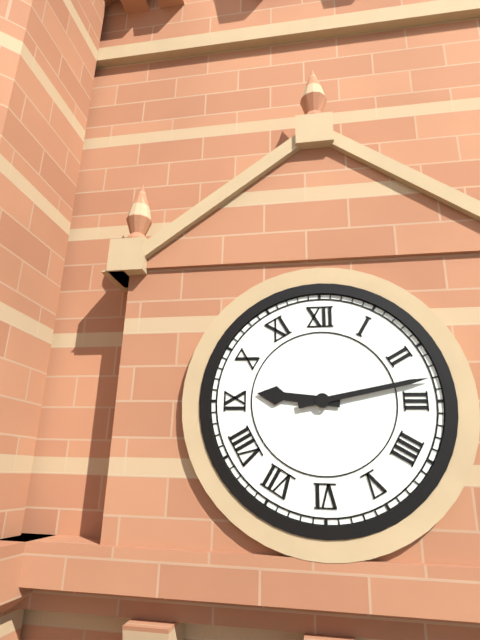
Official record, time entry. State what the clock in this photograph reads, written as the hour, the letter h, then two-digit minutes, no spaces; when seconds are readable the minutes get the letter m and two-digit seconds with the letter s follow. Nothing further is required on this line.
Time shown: 9h13
